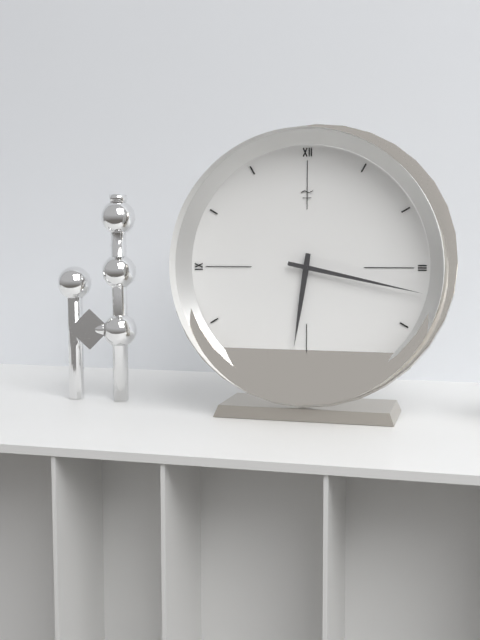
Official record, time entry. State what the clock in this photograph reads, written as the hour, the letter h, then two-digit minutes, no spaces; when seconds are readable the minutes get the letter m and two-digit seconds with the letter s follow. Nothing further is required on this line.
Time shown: 6h17
